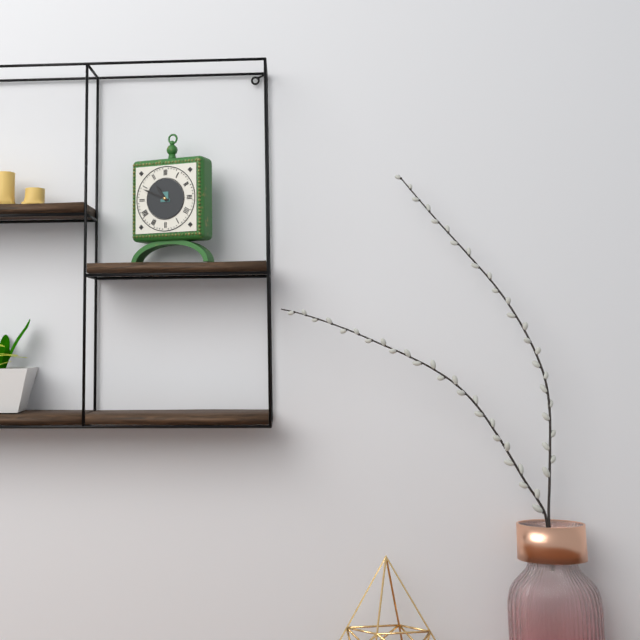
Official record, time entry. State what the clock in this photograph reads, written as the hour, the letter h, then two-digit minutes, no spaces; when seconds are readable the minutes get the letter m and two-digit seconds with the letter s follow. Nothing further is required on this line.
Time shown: 10h49
